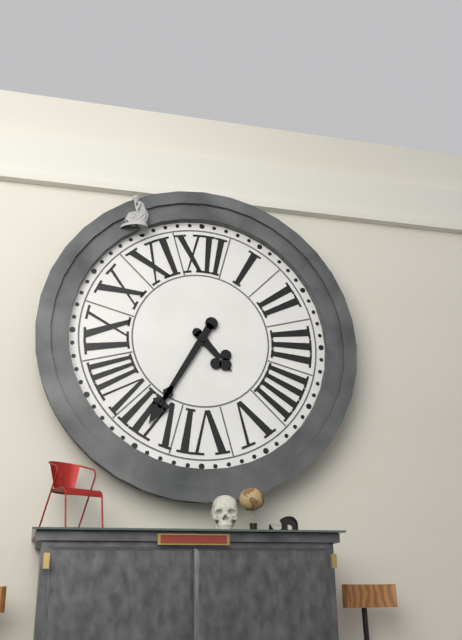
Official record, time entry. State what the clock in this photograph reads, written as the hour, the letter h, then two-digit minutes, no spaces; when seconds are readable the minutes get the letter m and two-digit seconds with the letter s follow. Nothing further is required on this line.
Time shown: 4h35
